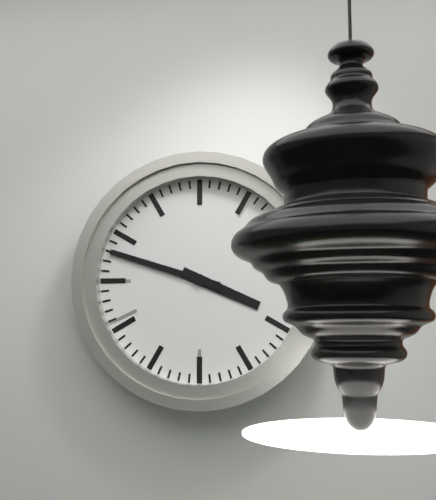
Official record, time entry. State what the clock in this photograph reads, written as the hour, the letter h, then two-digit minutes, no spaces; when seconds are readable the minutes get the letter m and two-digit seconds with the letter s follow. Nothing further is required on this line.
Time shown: 3h48
